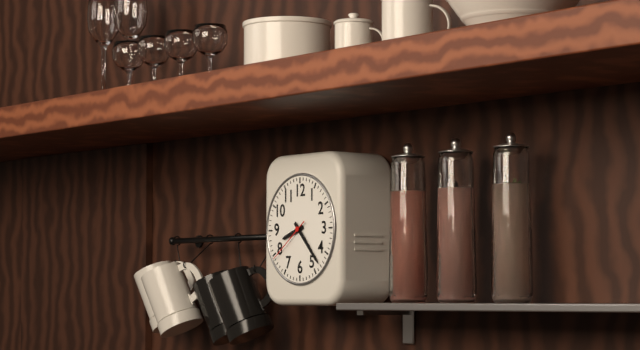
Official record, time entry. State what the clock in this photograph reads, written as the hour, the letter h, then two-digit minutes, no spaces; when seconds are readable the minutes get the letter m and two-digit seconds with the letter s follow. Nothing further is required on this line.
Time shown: 8h23
